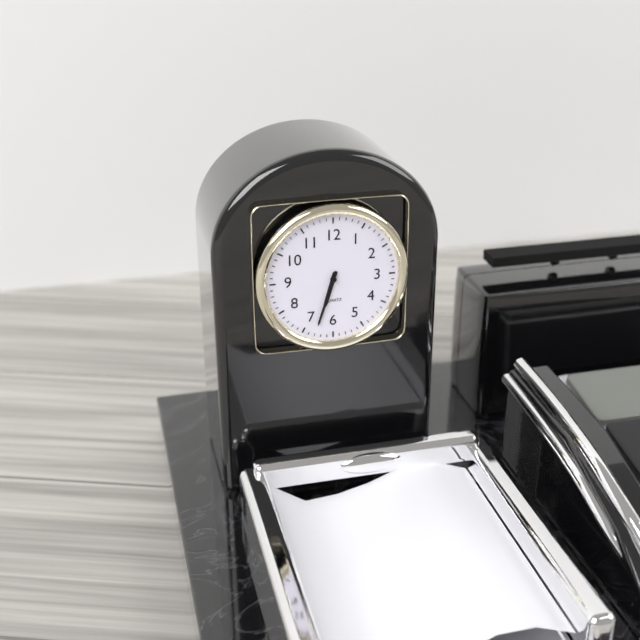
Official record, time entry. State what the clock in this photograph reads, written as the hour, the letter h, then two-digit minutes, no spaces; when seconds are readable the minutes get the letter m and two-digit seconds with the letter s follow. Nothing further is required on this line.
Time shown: 6h33
